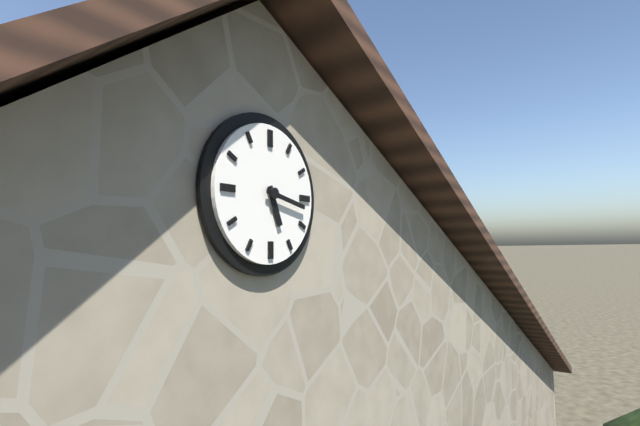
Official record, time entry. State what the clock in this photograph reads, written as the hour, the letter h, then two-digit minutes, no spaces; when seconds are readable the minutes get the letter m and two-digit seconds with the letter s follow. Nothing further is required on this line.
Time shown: 5h17
